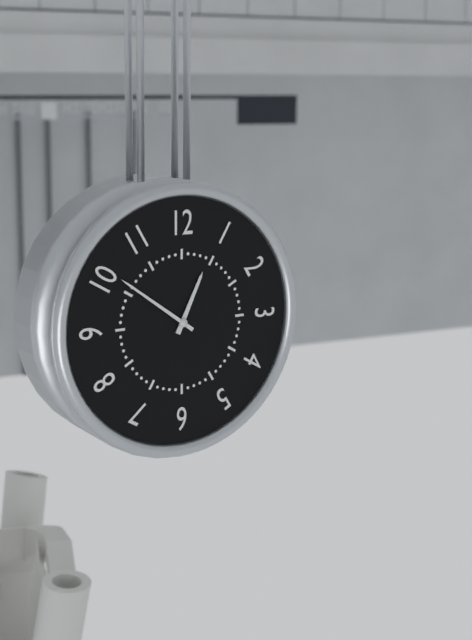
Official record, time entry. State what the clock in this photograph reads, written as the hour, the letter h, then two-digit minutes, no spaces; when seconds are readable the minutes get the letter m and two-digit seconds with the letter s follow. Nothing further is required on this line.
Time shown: 12h51
